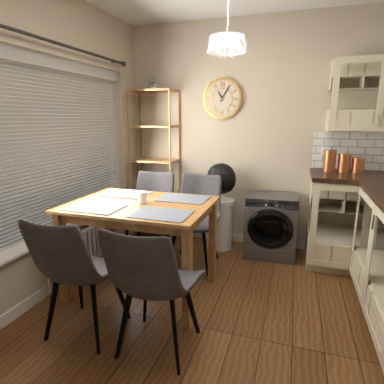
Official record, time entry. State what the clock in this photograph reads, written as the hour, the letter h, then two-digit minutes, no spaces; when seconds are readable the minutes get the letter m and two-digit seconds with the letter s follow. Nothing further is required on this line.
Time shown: 11h05
